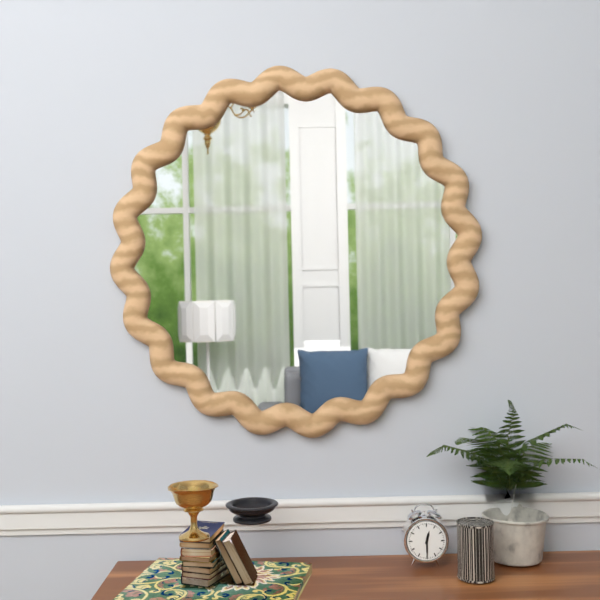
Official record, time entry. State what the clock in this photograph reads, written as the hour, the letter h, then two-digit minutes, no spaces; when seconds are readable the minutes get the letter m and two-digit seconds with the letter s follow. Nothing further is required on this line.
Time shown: 12h30
